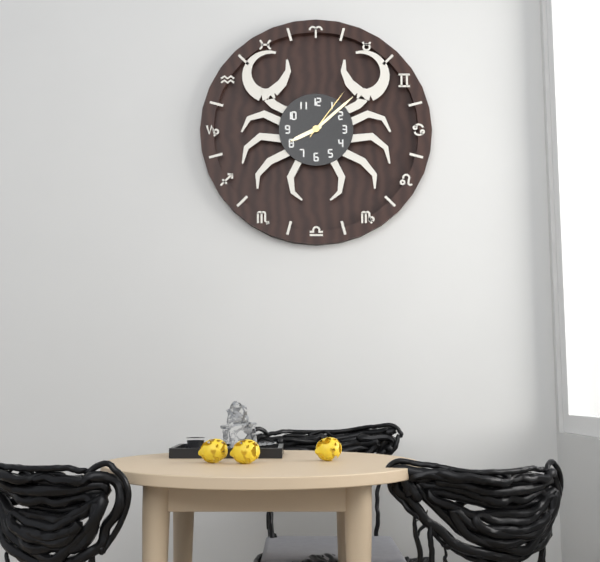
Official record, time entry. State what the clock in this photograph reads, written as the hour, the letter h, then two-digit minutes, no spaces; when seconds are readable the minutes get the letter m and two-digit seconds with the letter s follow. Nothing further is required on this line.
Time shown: 8h08m06s
